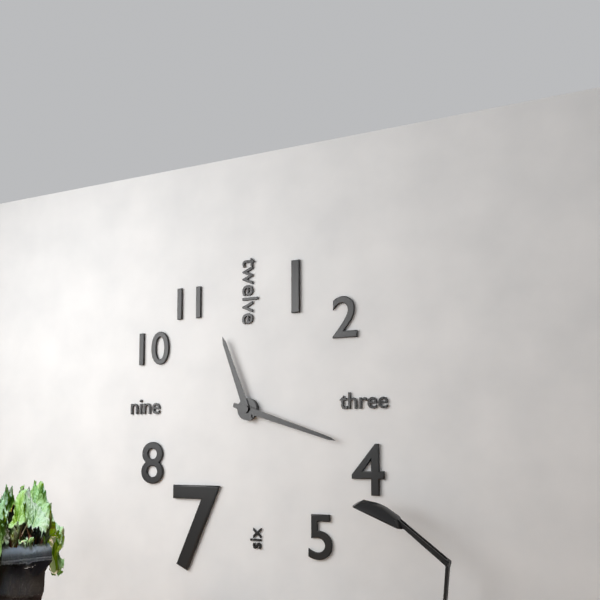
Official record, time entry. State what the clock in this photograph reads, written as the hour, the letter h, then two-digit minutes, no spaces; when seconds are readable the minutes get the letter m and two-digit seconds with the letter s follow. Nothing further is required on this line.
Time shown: 11h18
